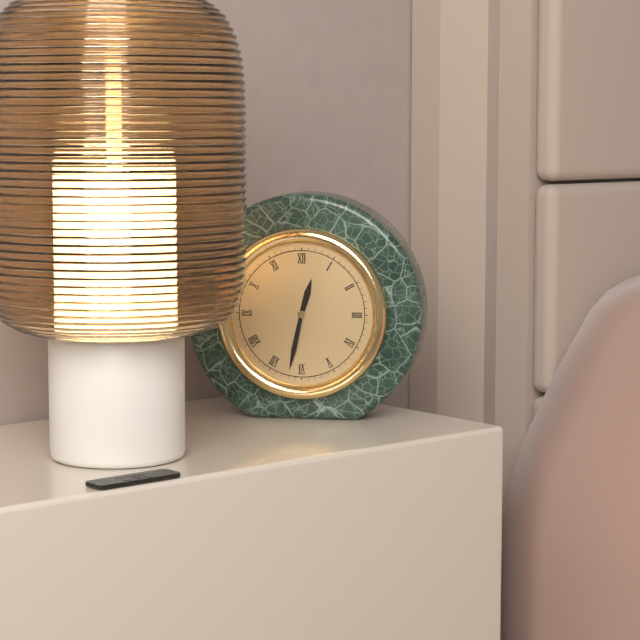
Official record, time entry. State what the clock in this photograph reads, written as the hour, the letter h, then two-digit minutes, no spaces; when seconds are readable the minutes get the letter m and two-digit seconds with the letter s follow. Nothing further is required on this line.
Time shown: 12h32
